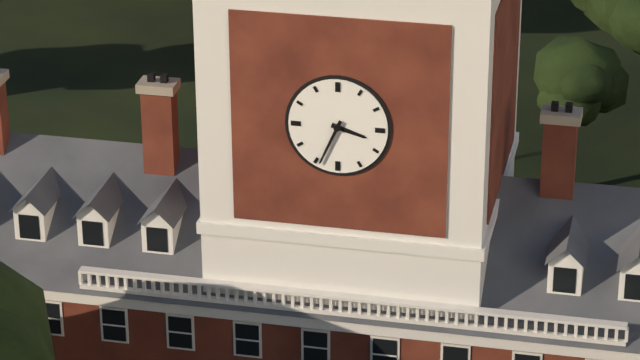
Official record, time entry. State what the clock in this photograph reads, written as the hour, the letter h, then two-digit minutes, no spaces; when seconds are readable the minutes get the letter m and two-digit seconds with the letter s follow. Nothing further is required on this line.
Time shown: 3h34
